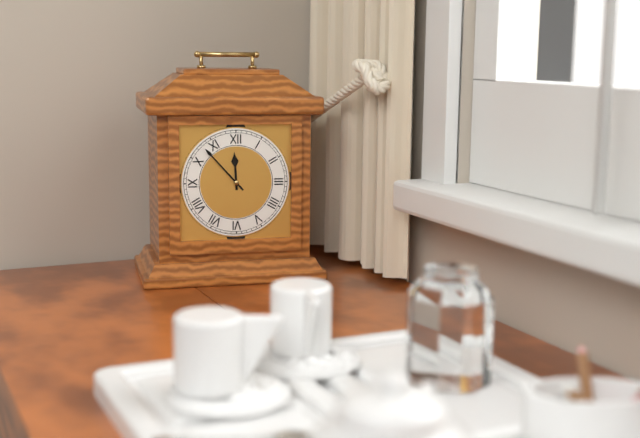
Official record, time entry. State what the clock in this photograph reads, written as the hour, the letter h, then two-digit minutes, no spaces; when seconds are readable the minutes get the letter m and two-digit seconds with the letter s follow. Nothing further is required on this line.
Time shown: 11h53
